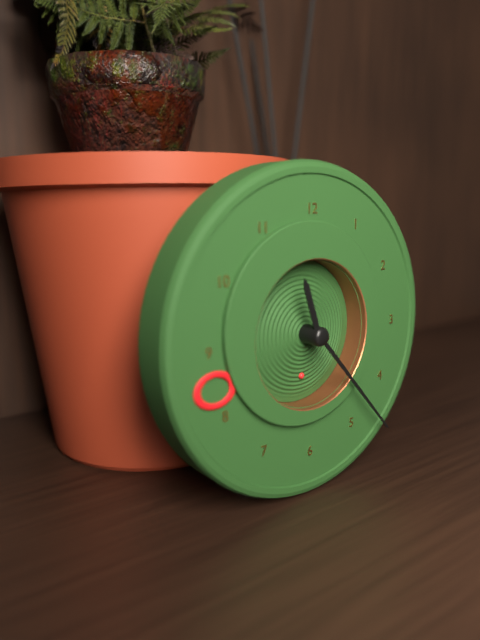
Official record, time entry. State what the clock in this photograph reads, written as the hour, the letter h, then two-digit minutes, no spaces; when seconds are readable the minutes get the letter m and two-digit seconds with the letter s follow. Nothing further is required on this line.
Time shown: 11h23m30s
